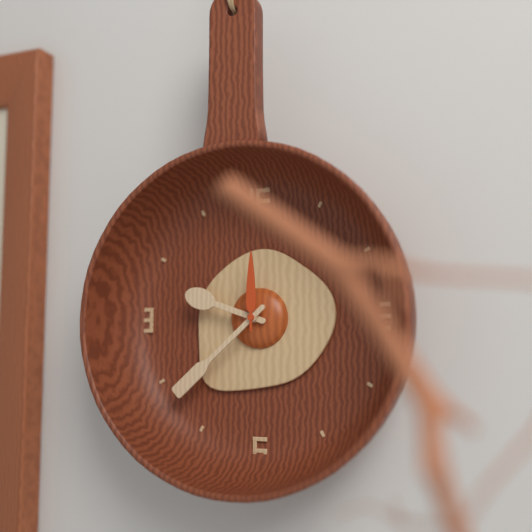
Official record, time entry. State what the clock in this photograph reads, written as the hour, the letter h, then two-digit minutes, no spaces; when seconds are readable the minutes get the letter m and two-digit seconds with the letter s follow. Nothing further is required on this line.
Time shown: 9h38m00s
